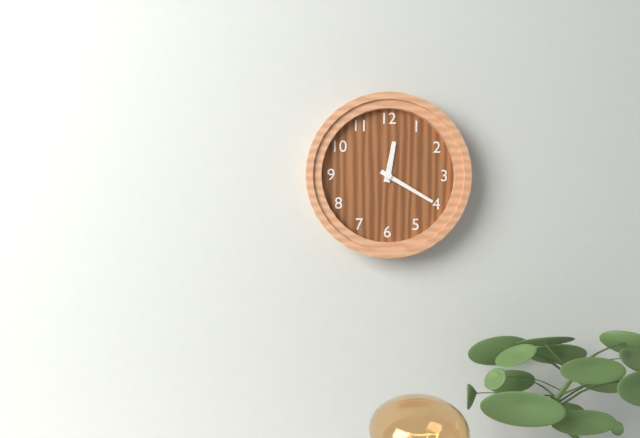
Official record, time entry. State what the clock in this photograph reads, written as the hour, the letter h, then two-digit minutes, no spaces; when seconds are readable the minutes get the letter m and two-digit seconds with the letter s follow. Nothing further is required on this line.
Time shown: 12h20
